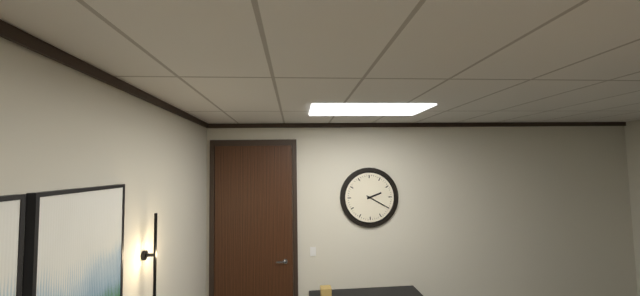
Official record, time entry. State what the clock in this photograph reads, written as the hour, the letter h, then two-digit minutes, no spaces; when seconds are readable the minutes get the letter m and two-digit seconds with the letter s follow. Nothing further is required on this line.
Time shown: 2h20
